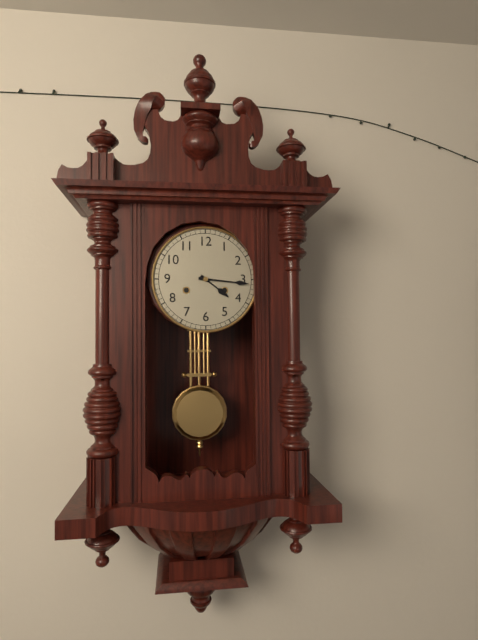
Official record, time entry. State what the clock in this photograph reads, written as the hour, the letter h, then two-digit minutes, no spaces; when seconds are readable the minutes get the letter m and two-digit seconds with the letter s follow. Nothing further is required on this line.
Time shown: 4h16
